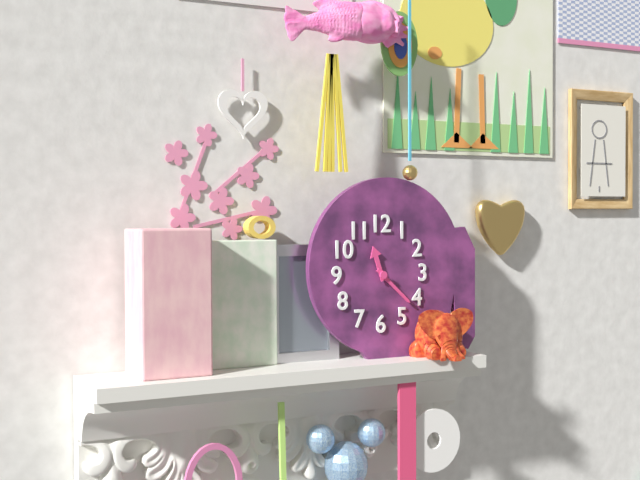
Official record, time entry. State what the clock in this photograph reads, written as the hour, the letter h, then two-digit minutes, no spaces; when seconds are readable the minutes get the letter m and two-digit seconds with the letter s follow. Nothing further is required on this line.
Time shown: 11h22
